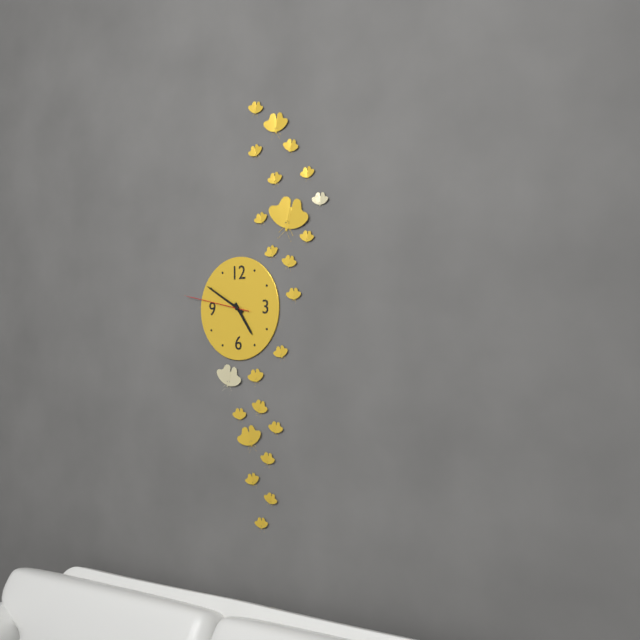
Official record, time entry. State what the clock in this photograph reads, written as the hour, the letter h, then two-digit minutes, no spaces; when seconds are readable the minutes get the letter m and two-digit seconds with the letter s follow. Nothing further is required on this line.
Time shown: 4h50m47s
